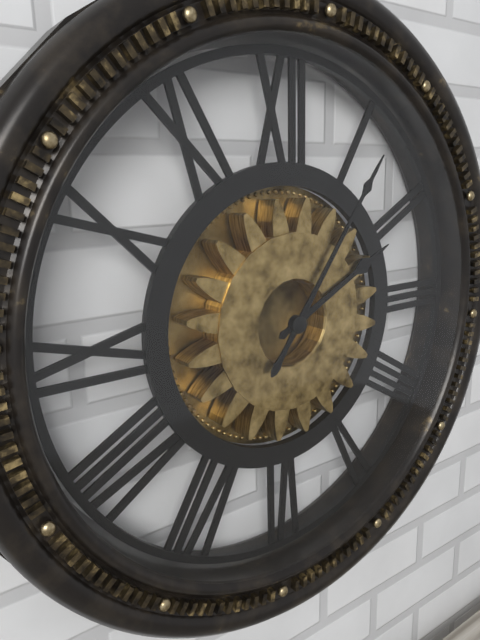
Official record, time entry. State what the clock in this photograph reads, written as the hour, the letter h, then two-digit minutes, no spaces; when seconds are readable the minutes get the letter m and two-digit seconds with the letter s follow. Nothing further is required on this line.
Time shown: 2h06
